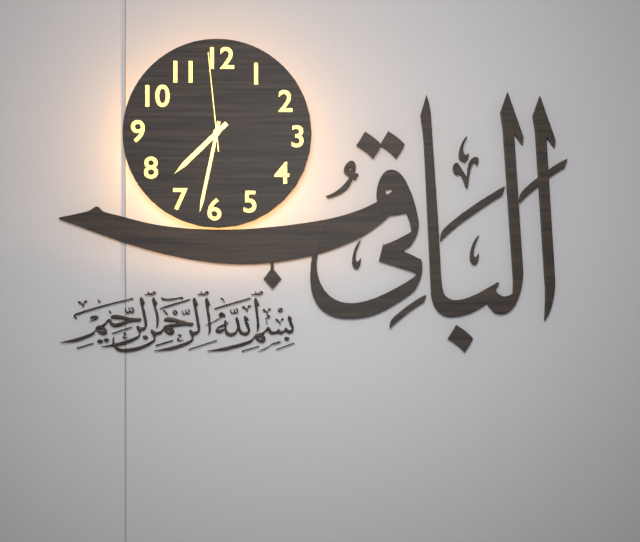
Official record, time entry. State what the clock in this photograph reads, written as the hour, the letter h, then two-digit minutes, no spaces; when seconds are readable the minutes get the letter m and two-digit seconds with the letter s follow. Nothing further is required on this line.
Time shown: 7h32m59s
